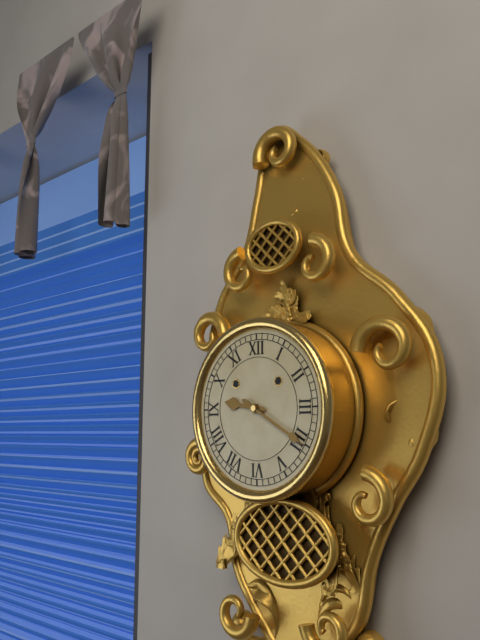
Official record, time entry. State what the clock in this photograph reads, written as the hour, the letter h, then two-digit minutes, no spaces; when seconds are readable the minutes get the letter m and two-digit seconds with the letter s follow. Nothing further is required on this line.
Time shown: 9h20
